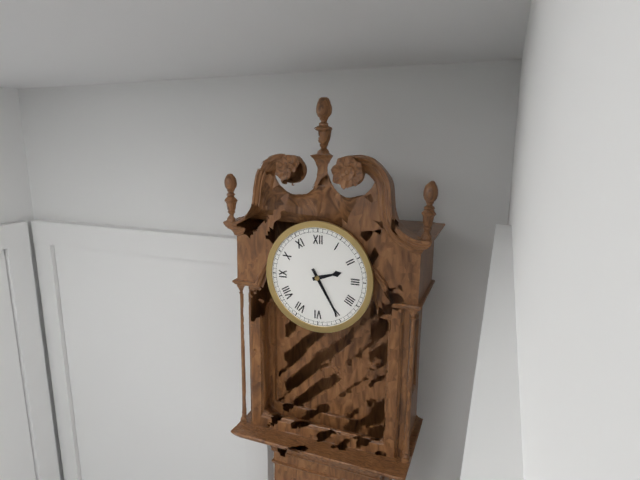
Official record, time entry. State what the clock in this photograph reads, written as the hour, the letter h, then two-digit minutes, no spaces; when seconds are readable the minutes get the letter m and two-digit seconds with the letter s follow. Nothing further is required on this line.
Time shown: 2h25
